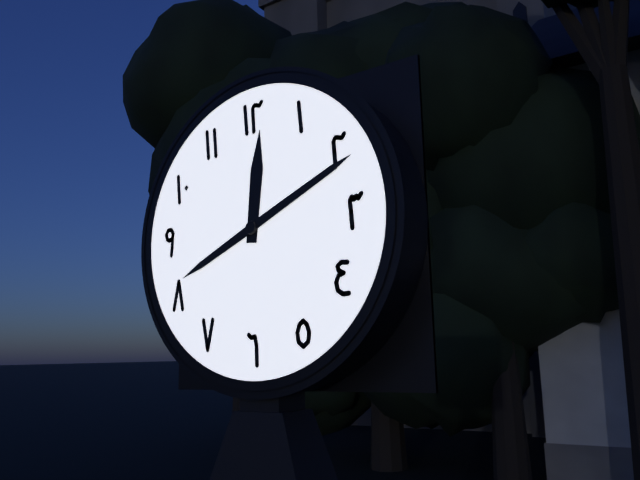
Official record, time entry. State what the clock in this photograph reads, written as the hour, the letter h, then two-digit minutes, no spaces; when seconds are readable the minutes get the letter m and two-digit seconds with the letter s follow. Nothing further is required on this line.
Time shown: 12h11
